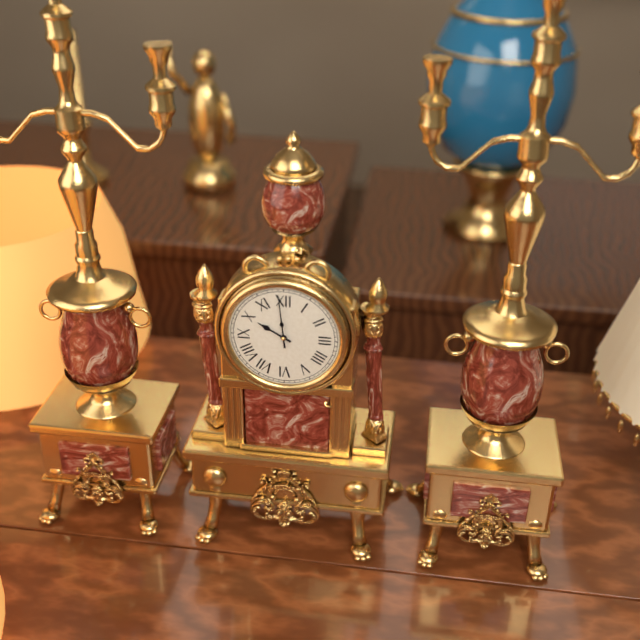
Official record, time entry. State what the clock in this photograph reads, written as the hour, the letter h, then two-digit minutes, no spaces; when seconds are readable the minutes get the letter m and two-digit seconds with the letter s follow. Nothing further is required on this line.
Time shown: 9h59
